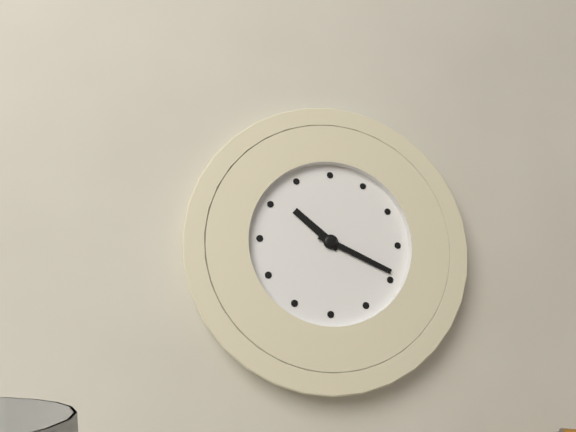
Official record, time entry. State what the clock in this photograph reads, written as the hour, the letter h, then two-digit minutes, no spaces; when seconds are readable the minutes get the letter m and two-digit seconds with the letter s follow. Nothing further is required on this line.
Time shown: 10h19
